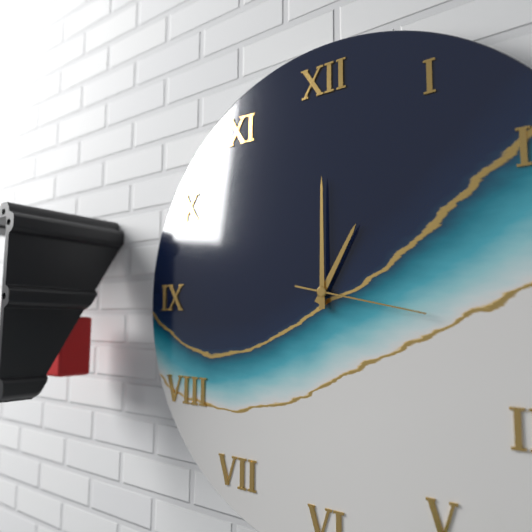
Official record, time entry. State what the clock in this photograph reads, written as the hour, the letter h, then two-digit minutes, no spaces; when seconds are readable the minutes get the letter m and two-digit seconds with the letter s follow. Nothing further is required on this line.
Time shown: 1h00m17s
